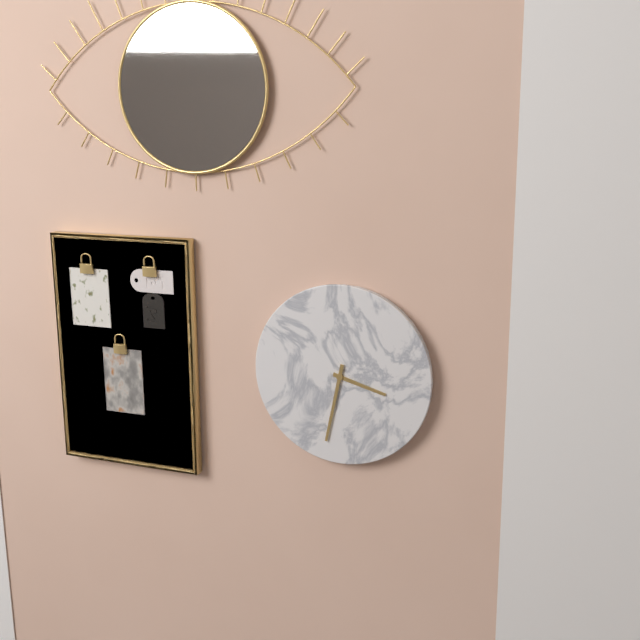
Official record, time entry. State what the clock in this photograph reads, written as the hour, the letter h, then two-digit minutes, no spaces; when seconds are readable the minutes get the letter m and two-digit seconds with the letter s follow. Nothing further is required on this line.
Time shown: 3h32
